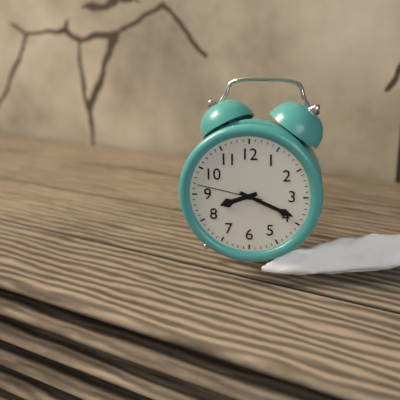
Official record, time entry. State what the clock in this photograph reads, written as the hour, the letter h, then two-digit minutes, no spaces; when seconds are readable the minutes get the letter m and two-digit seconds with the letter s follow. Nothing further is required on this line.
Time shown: 8h19m47s
